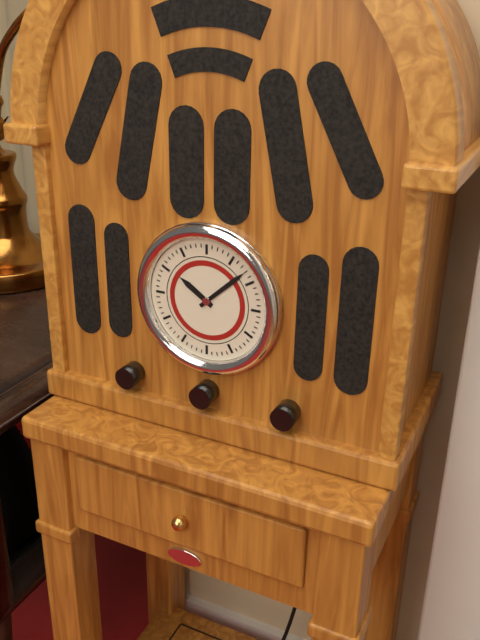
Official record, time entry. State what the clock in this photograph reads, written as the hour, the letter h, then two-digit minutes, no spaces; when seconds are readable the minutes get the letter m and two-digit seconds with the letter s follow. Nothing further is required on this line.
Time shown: 10h08
